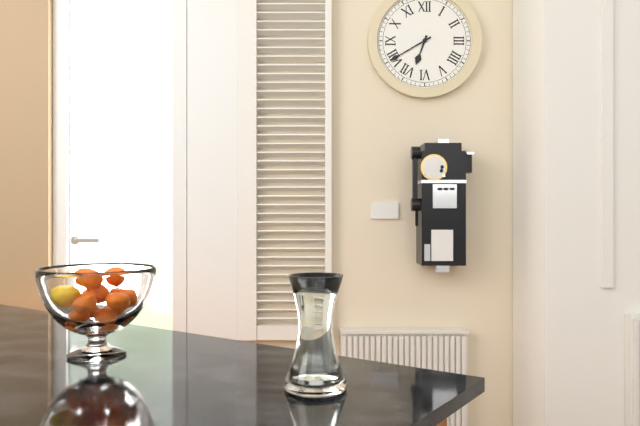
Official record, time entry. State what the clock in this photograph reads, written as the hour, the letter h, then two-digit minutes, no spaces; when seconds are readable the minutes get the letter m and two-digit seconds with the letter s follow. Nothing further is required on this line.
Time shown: 6h40
